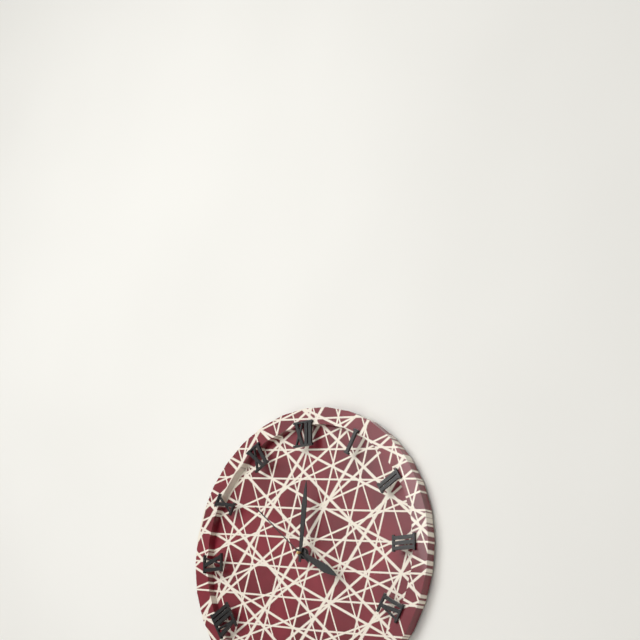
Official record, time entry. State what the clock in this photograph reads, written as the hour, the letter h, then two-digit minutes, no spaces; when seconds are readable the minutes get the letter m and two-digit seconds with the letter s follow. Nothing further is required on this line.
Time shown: 4h01m52s
